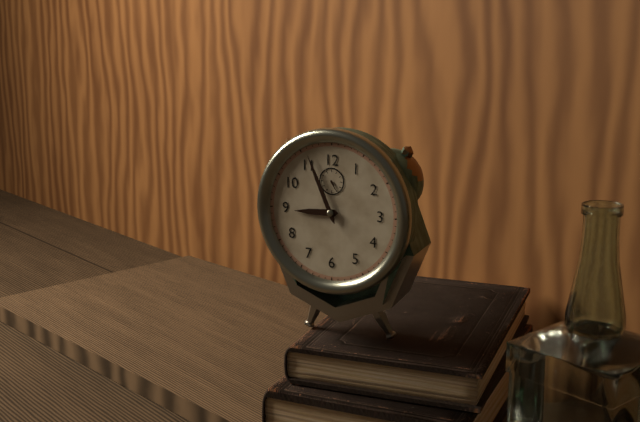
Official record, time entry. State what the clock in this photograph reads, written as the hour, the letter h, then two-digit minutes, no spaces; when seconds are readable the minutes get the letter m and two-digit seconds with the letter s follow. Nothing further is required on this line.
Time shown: 8h56
